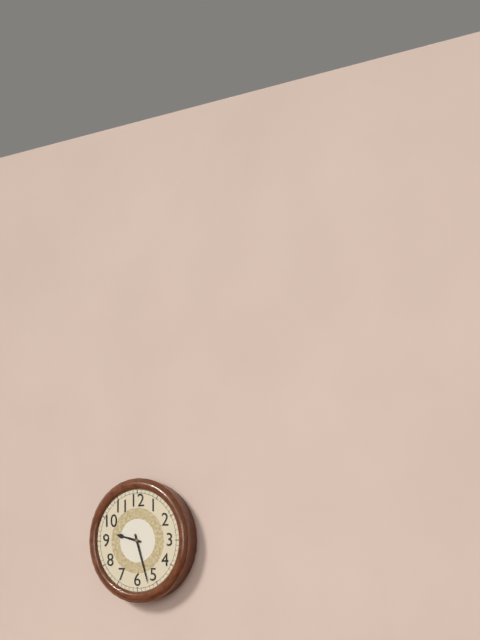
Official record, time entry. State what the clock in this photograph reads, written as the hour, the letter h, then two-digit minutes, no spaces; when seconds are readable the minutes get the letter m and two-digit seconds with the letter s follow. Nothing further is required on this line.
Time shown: 9h27
